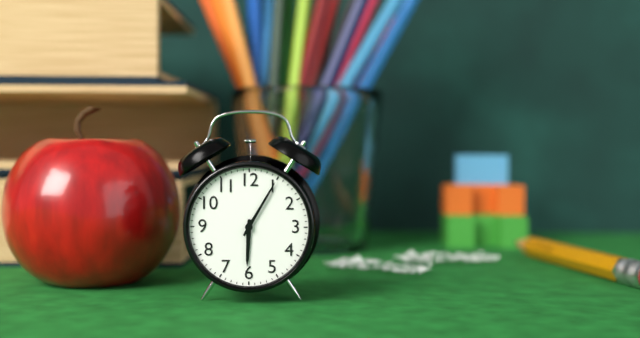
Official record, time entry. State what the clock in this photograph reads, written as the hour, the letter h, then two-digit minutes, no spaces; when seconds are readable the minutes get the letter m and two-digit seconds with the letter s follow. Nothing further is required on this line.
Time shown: 6h05
